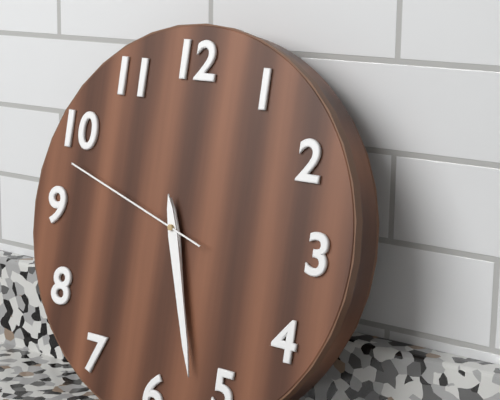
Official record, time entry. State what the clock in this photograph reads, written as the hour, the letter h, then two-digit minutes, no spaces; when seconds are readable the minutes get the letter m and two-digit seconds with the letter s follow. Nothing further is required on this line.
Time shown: 5h27m48s
